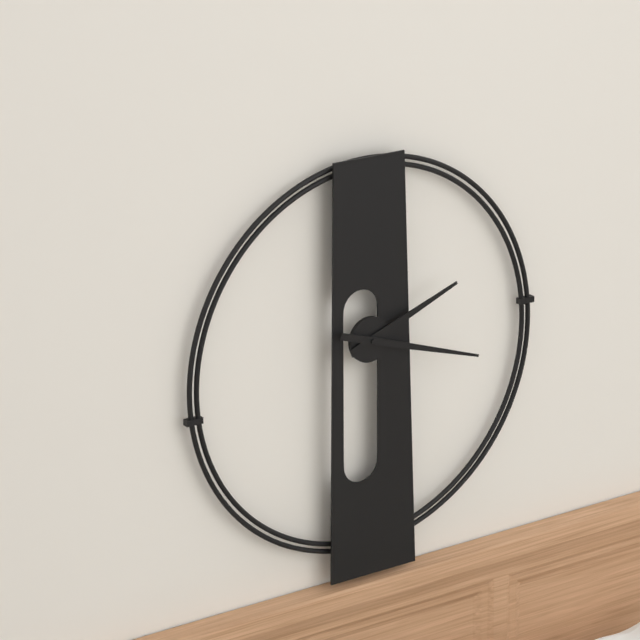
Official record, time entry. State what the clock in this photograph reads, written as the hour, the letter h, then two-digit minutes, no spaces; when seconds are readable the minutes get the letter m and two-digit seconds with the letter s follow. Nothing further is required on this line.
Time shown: 2h18
